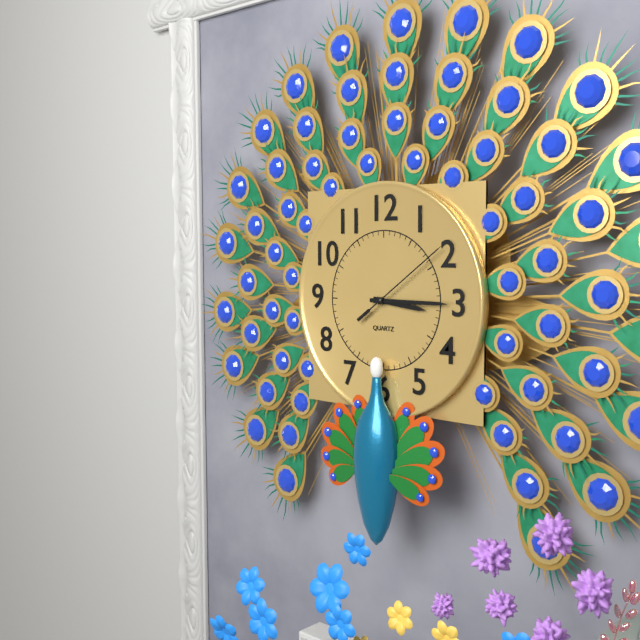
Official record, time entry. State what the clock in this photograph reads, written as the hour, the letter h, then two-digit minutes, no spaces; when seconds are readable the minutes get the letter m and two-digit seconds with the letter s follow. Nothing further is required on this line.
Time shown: 3h15m09s
